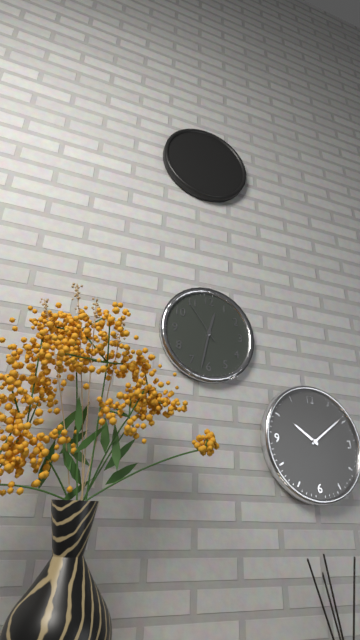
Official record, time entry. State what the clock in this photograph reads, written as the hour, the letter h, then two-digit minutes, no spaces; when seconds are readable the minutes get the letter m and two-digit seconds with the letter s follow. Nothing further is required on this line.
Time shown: 12h32m54s
